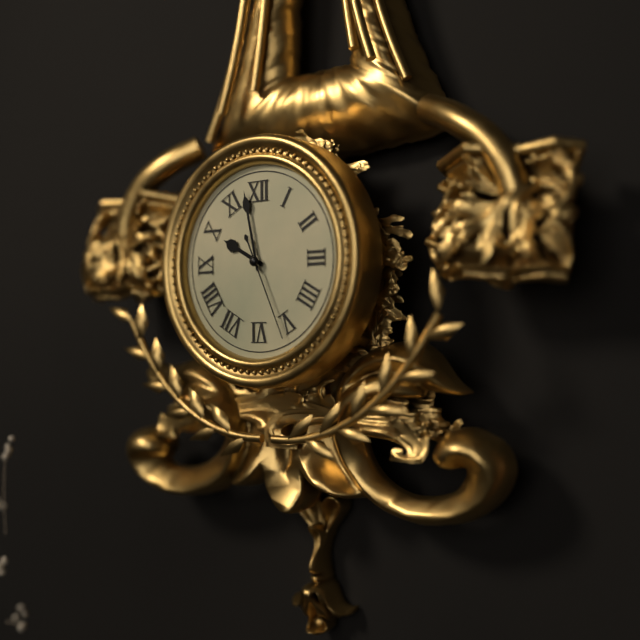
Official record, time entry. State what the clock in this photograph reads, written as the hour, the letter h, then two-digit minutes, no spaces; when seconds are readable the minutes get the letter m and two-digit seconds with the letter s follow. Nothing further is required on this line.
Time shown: 9h58m26s
